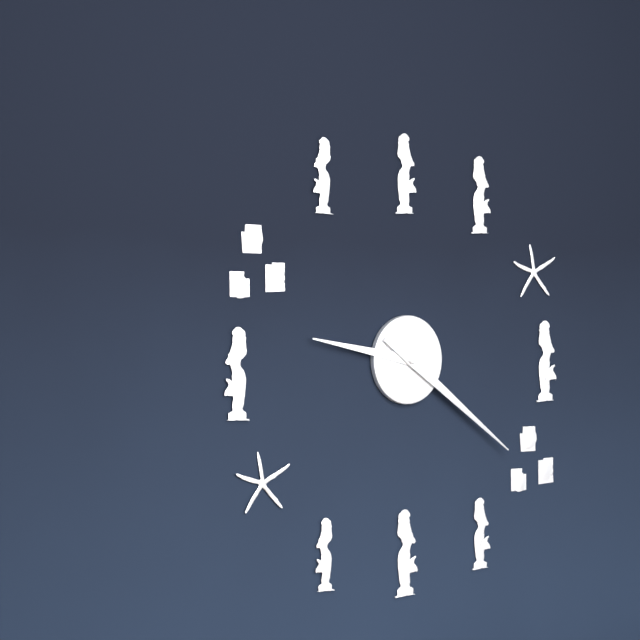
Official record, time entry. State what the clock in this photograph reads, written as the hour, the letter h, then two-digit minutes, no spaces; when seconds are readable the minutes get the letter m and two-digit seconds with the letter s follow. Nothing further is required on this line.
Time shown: 9h21
